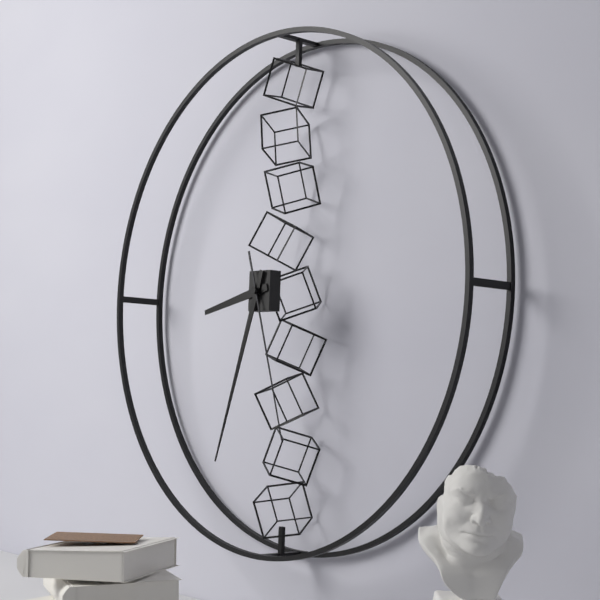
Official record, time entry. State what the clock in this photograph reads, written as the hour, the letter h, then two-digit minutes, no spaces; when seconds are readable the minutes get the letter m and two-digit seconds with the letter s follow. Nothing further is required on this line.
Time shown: 8h33m27s
